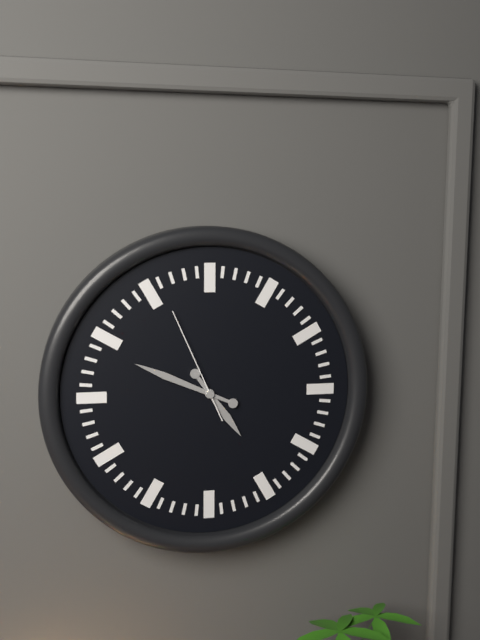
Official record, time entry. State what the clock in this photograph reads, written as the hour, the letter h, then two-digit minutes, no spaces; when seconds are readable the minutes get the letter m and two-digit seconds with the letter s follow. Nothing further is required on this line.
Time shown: 4h49m56s
